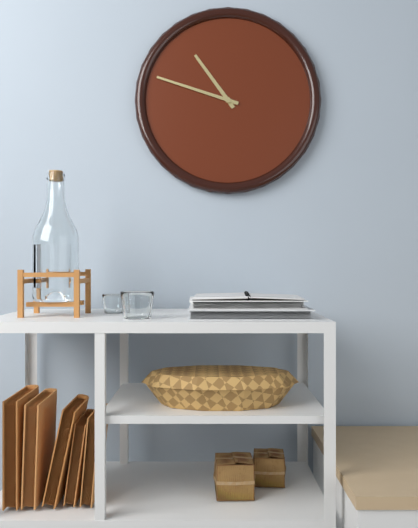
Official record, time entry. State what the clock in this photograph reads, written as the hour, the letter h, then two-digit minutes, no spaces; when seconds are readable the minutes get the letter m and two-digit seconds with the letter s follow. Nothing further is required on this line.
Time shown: 10h48
